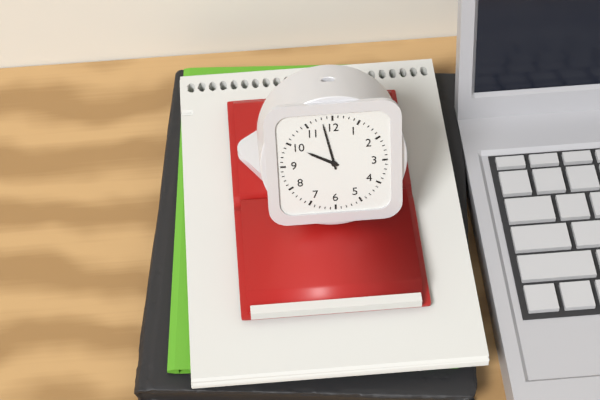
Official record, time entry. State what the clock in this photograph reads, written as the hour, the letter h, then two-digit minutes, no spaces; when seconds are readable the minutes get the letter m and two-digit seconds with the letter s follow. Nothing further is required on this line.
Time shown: 9h58
